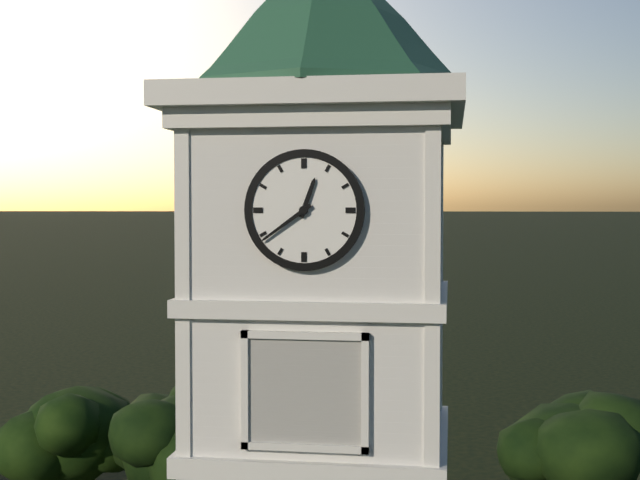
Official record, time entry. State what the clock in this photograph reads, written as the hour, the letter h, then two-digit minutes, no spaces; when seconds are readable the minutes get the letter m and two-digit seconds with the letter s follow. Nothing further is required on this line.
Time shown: 12h39
